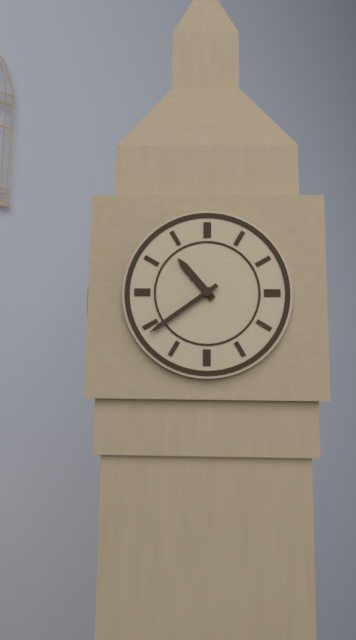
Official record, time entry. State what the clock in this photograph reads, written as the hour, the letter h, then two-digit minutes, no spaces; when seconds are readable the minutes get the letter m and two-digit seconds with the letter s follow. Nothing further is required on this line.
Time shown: 10h39
